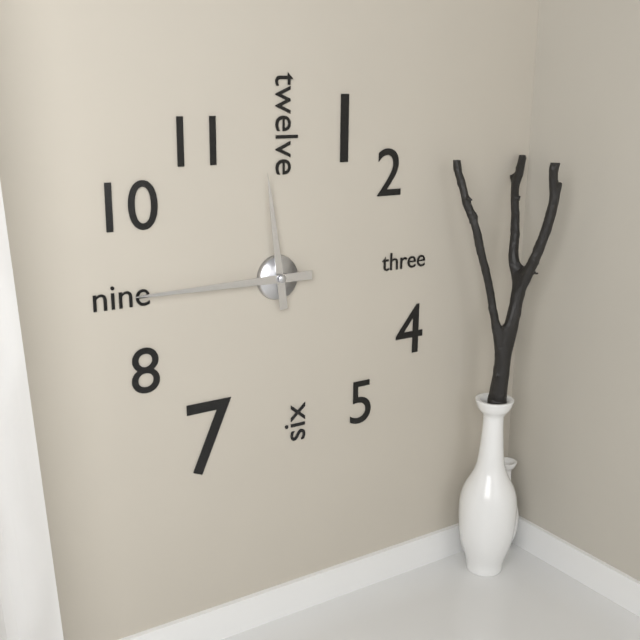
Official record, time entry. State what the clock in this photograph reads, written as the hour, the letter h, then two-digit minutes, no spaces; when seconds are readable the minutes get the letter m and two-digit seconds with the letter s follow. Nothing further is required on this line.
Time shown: 11h45
